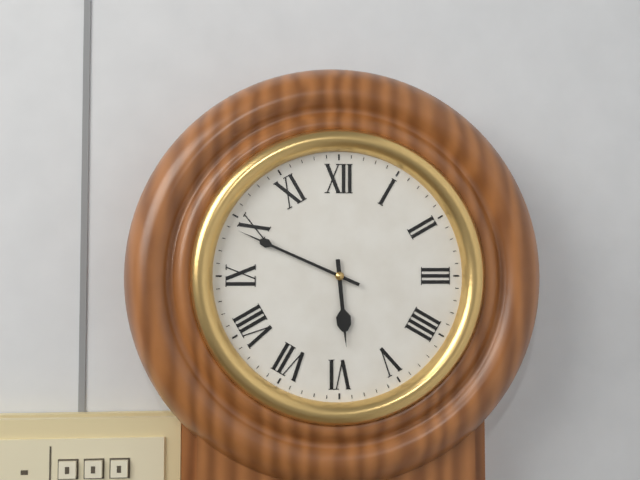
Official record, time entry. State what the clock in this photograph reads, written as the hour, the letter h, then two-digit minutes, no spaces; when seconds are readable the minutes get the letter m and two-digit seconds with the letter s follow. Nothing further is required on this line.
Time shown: 5h49
